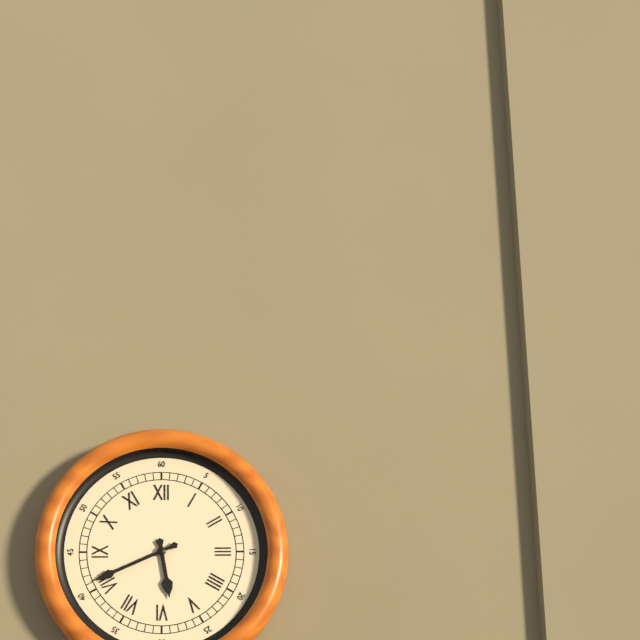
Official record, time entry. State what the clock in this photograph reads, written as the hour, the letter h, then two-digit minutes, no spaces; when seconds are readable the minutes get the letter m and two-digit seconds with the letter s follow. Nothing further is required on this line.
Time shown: 5h41
